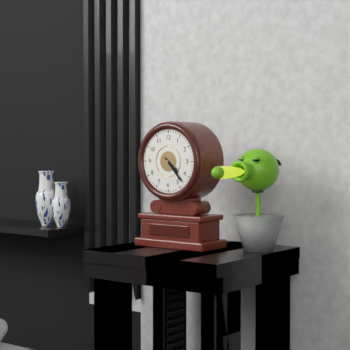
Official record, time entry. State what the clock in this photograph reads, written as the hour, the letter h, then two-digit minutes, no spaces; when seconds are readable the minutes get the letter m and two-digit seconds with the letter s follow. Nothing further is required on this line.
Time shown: 4h23
